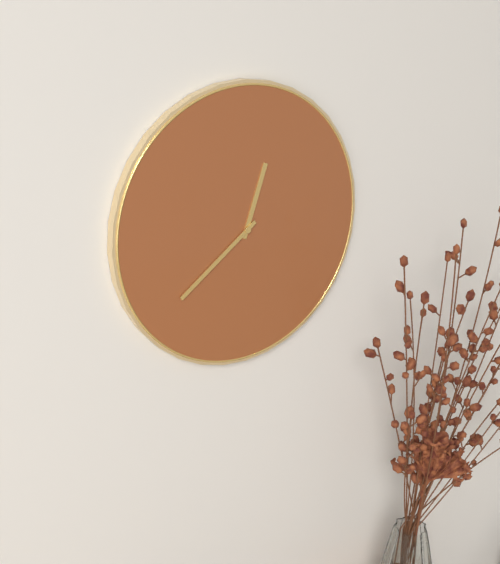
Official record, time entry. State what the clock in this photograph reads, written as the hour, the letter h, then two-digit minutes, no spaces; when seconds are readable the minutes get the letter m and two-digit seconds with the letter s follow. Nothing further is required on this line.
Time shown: 12h39
